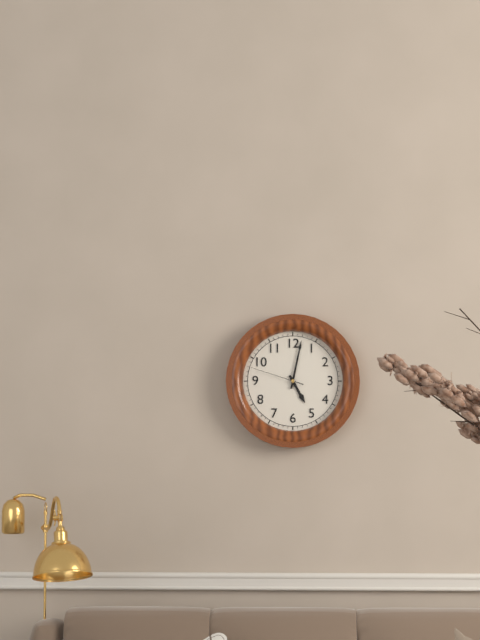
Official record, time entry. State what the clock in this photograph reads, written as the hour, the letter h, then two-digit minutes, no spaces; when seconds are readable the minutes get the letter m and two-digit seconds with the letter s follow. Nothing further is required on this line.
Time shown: 5h02m48s
